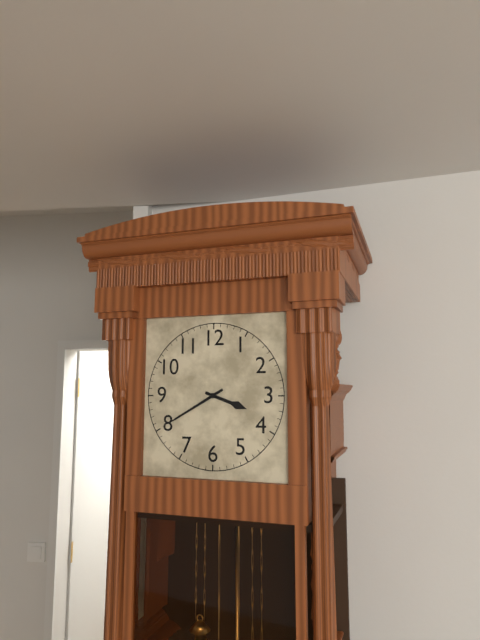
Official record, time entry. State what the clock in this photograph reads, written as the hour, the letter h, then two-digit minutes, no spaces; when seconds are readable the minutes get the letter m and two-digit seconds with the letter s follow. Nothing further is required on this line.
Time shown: 3h40
